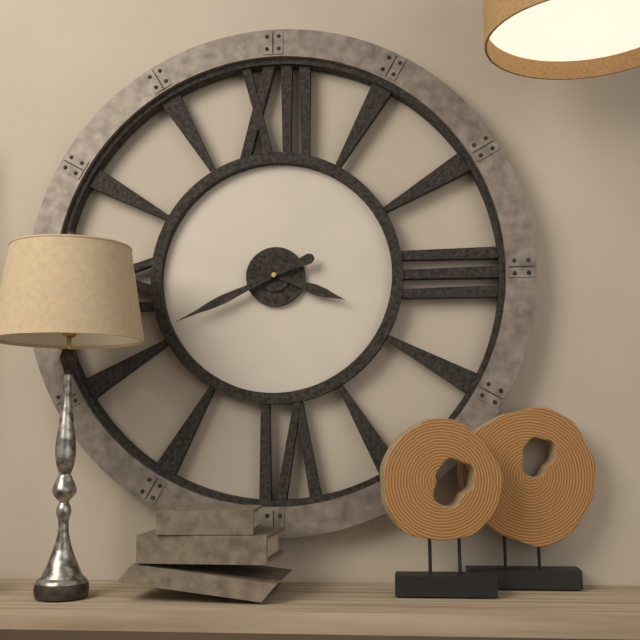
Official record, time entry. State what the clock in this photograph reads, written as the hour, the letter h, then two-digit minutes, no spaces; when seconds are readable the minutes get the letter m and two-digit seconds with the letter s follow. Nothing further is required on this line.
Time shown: 3h41
